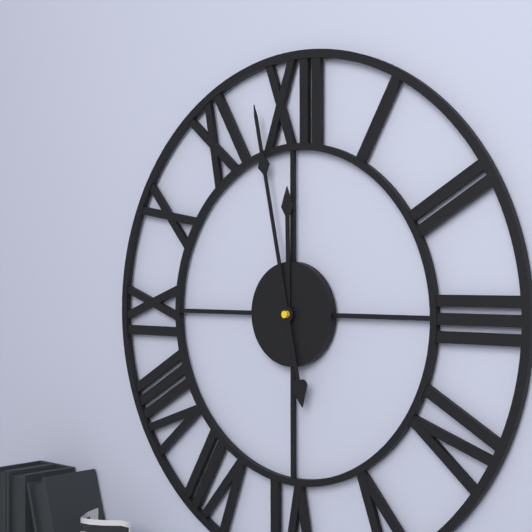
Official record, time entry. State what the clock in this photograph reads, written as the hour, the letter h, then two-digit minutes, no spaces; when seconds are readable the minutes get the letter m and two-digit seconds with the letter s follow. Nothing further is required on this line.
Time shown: 11h58
